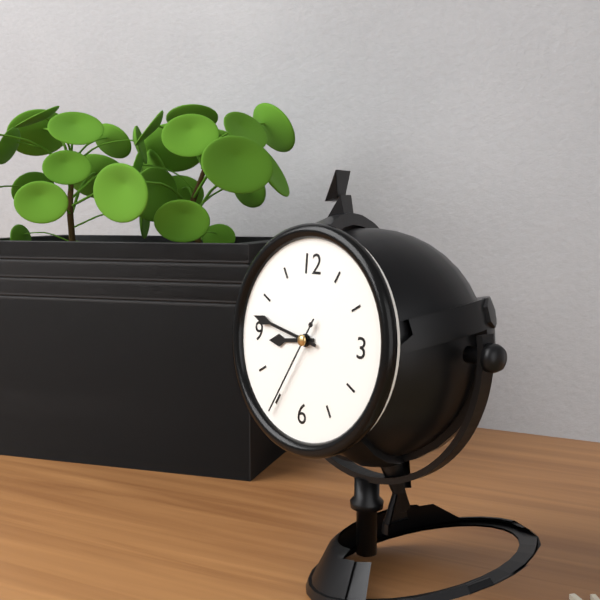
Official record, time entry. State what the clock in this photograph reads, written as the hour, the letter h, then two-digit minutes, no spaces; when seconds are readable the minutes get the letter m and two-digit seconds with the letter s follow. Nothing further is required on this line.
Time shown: 8h47m35s
